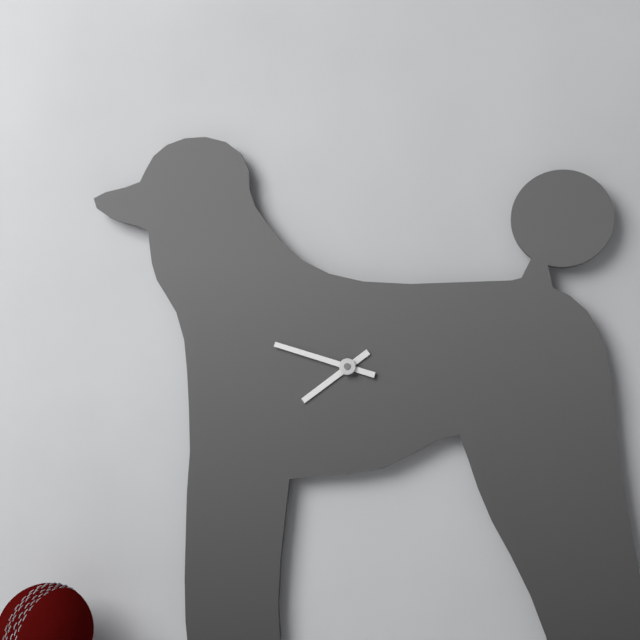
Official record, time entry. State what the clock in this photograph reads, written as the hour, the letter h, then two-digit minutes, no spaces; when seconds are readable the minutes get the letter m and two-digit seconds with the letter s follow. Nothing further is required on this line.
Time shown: 7h48
